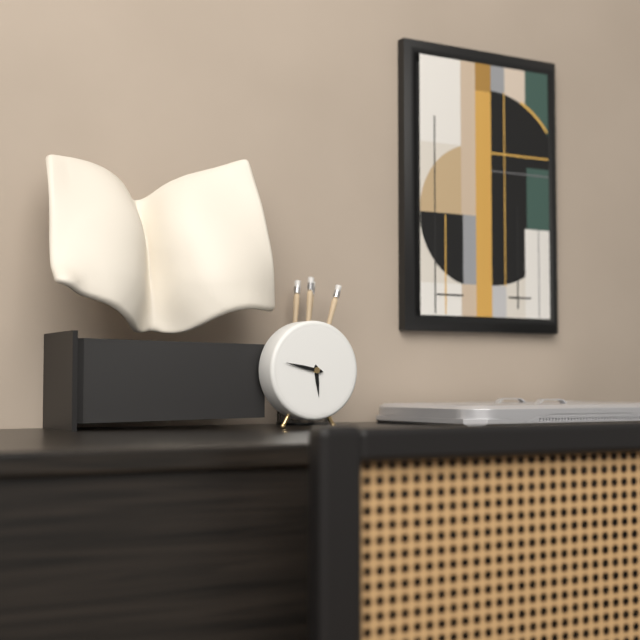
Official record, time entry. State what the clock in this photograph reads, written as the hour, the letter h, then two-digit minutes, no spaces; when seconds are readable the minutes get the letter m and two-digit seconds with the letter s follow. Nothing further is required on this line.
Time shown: 5h47
